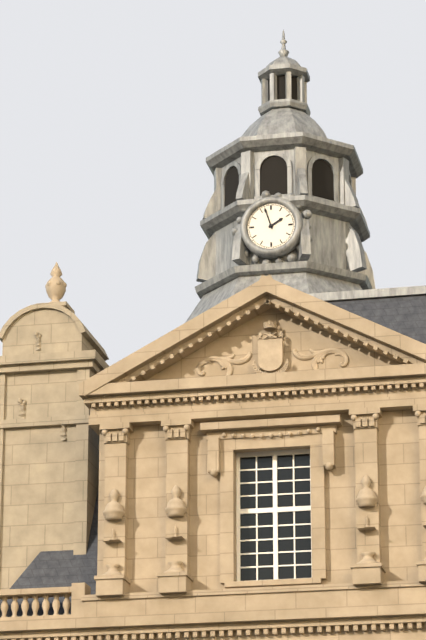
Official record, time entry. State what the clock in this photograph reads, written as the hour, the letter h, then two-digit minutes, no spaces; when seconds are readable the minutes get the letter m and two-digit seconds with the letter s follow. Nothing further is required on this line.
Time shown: 1h57
